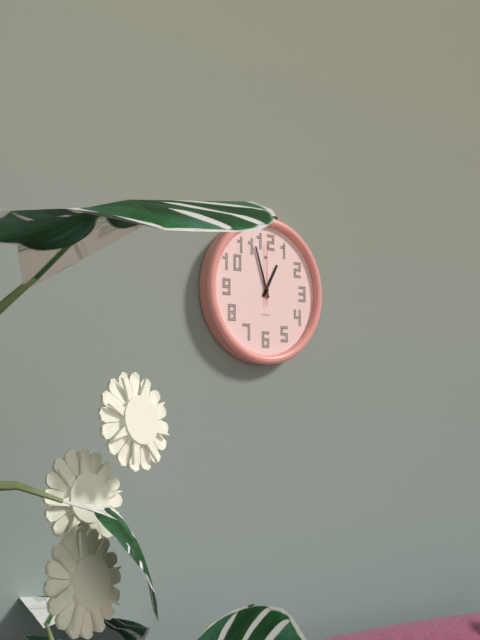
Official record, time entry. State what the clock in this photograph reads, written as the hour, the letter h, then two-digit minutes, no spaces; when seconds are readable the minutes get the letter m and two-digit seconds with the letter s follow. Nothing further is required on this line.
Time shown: 12h57m00s
